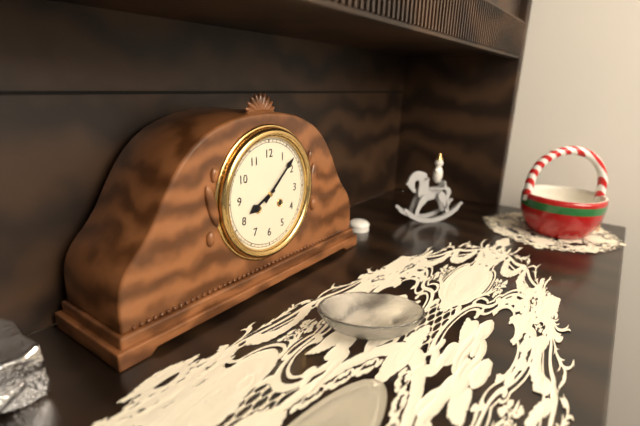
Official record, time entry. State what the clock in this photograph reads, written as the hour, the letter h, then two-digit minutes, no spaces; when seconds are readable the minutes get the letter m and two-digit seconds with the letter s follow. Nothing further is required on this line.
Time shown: 8h08
